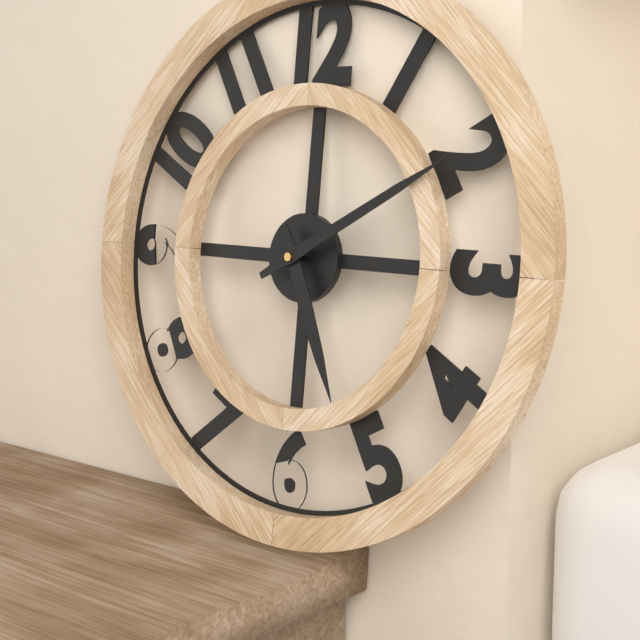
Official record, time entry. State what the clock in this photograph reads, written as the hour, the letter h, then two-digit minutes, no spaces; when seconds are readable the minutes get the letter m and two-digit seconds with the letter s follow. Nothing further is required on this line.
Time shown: 5h10
